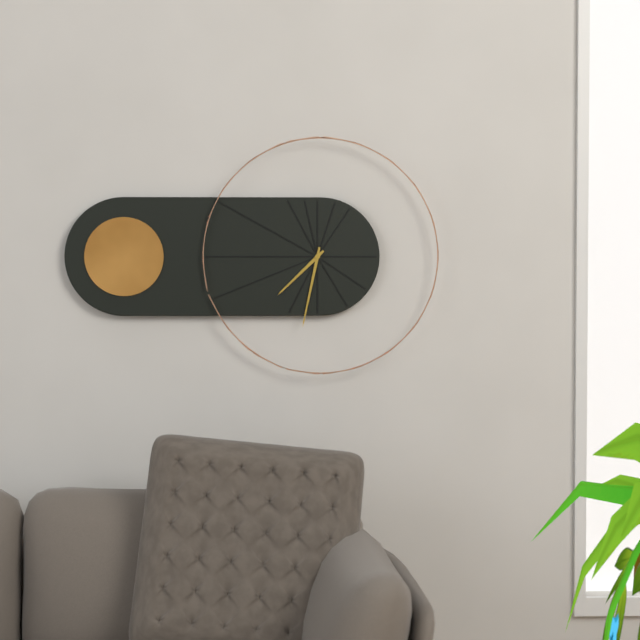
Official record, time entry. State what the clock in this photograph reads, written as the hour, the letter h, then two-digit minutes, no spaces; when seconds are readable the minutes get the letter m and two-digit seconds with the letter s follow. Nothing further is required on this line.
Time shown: 7h32
